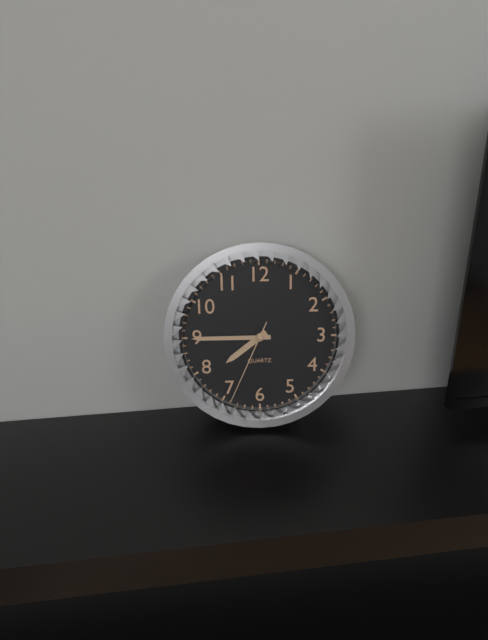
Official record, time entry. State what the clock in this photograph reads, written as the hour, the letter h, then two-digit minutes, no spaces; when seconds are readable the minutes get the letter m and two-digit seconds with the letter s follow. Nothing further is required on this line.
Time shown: 7h45m34s
